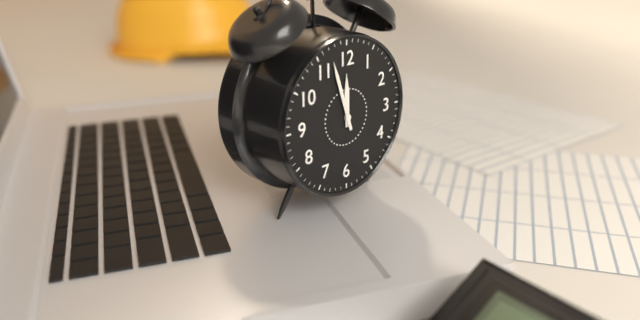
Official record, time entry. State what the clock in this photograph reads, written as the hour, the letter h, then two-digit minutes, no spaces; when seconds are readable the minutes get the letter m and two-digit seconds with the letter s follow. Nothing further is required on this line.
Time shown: 11h57
